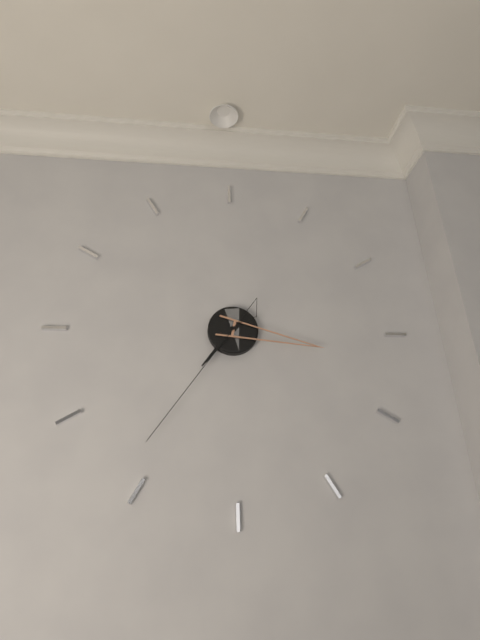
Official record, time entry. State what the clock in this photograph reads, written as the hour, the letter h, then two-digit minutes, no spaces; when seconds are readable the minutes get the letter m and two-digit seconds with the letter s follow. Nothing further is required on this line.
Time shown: 7h17m36s
